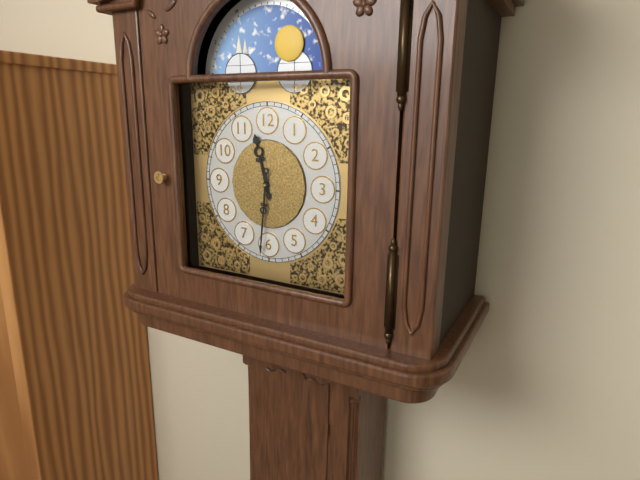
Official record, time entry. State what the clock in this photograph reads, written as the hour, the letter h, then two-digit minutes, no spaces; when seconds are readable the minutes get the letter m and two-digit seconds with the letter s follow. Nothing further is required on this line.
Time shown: 11h31
